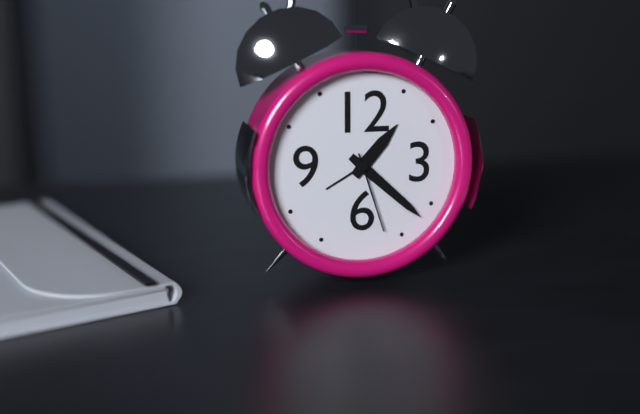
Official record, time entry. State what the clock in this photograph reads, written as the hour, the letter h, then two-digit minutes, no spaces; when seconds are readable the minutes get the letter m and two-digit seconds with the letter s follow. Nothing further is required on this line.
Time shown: 1h22m27s
